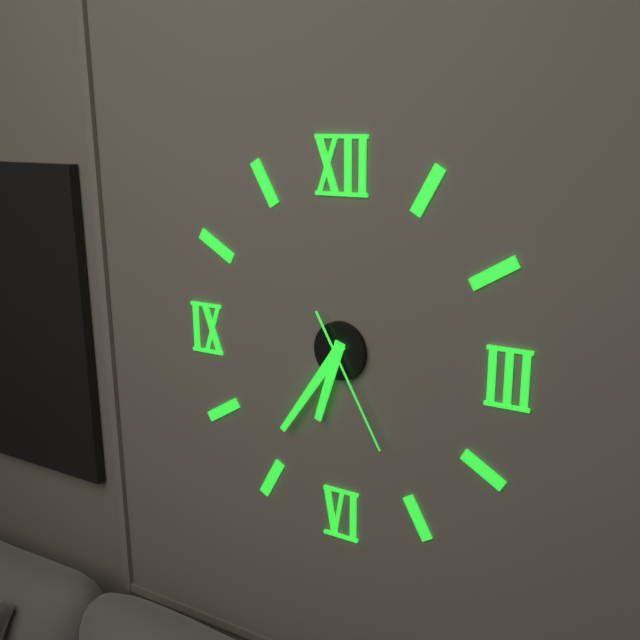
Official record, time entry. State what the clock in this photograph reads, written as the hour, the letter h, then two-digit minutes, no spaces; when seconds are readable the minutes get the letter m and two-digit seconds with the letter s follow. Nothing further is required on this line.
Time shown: 6h36m25s
